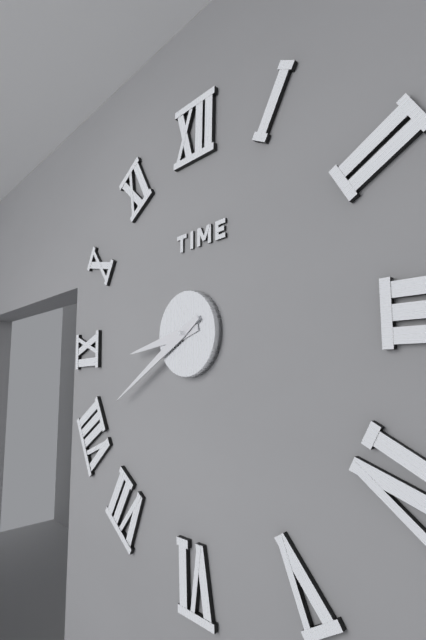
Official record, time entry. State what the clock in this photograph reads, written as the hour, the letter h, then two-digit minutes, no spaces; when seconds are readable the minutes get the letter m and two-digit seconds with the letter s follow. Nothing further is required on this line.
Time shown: 8h40
